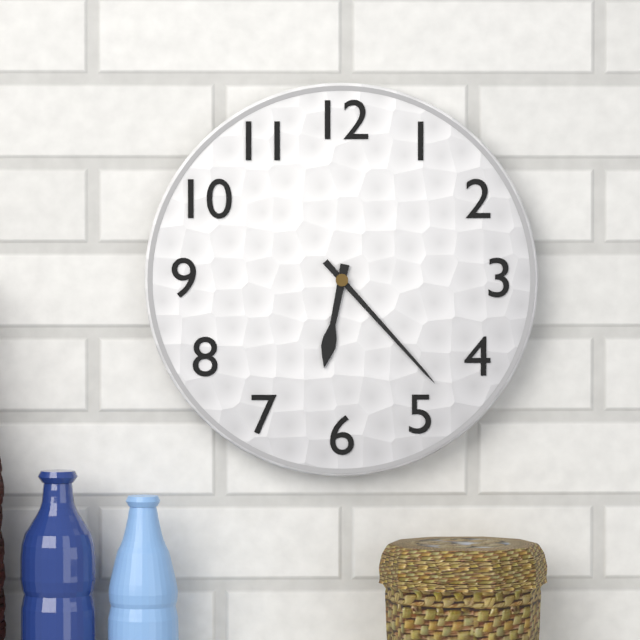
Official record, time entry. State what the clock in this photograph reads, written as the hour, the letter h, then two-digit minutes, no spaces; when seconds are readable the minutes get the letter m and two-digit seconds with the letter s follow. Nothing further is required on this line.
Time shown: 6h23
